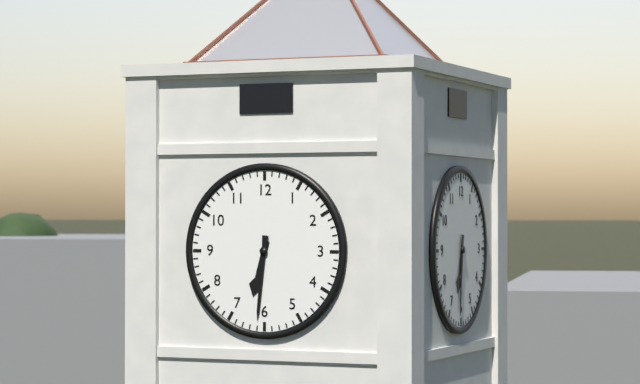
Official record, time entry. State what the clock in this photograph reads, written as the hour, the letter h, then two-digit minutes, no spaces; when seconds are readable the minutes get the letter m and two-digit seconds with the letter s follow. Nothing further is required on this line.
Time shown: 6h31
